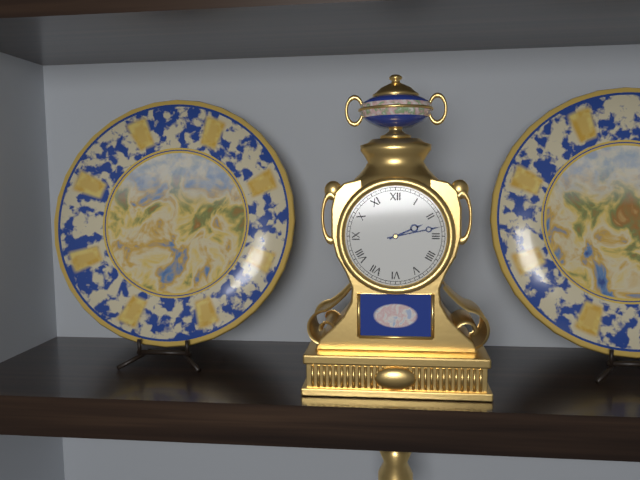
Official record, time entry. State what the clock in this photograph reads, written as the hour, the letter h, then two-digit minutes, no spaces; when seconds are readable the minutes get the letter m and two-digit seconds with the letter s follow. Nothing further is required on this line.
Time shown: 2h13
